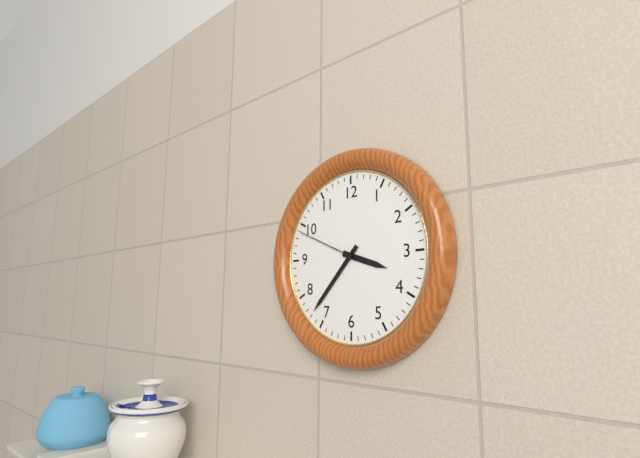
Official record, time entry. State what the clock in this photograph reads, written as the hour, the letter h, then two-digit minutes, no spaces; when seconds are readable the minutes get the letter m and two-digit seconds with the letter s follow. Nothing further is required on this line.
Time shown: 3h37m49s
